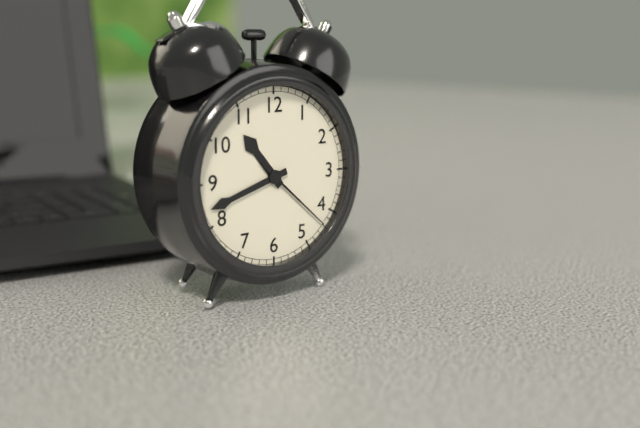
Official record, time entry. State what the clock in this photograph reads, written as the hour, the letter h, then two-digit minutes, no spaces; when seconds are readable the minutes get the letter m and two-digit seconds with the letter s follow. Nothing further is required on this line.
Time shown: 10h42m22s
